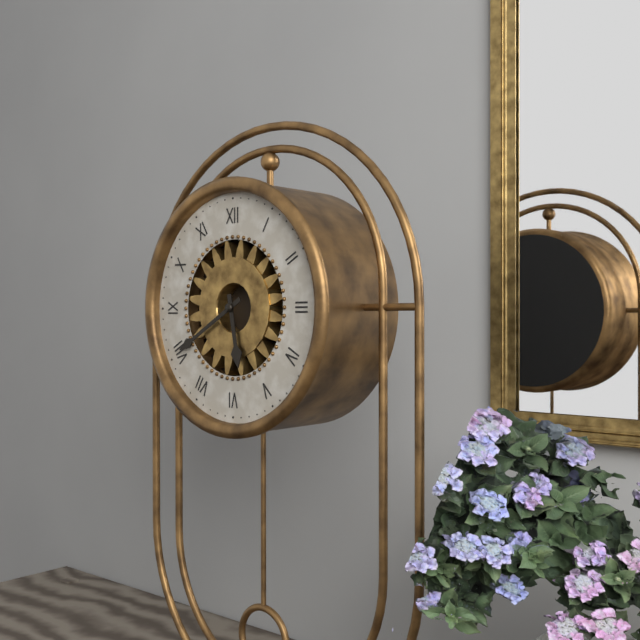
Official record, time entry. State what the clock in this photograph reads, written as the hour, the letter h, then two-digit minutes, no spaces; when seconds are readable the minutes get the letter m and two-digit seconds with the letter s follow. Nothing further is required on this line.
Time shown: 5h40
